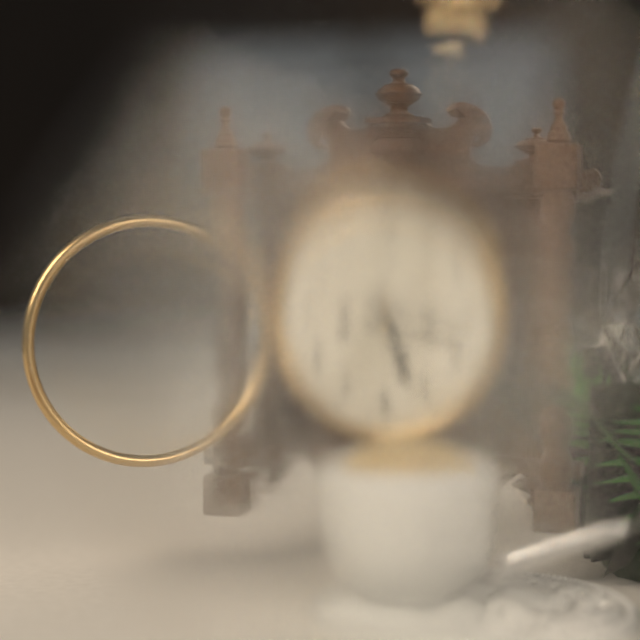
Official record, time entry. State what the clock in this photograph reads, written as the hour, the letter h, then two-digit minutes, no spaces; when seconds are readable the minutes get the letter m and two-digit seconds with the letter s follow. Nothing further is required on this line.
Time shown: 5h17
